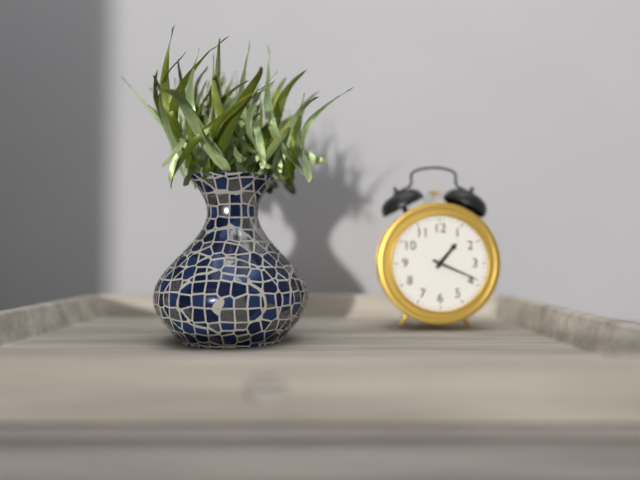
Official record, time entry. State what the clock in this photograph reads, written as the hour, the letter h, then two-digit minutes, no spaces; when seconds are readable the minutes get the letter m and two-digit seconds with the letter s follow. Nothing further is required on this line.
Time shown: 1h19
